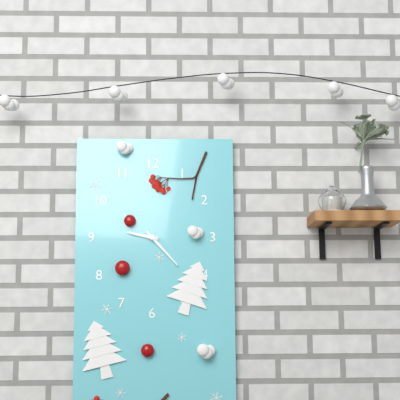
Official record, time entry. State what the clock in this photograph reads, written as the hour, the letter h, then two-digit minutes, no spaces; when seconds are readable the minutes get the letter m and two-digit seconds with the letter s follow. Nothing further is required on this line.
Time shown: 9h23
